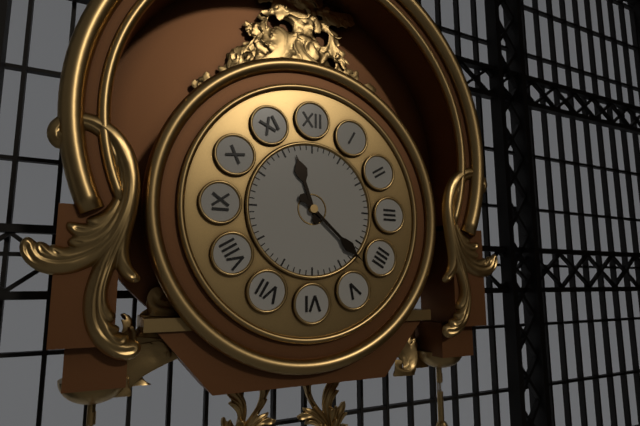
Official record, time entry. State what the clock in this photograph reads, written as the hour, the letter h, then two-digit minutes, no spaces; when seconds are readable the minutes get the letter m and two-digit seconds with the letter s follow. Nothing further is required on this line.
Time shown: 11h22
